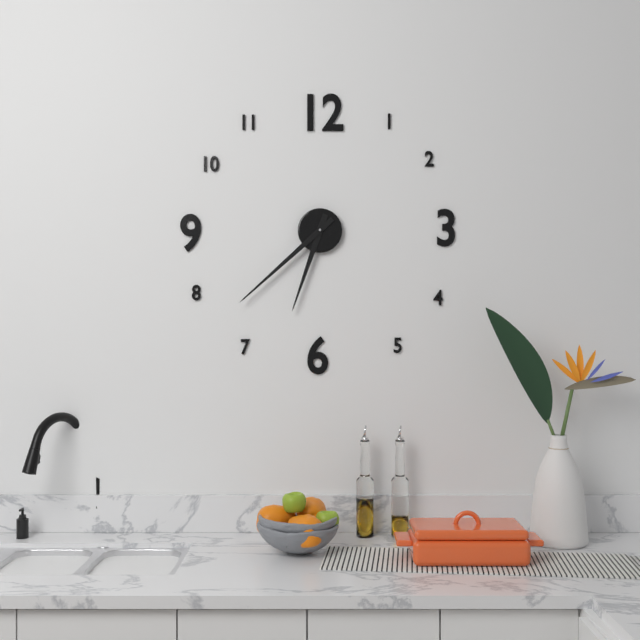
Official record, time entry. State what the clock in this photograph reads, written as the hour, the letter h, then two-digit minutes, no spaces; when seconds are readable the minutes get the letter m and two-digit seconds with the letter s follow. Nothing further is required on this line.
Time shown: 6h38
